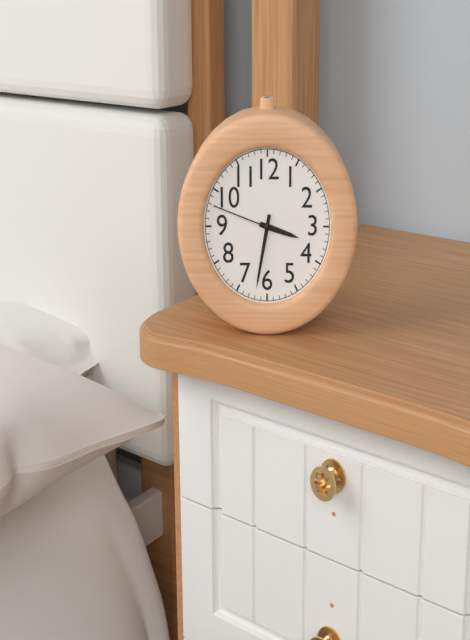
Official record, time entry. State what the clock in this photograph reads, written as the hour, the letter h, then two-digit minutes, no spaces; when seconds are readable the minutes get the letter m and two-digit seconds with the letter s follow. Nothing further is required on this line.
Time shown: 3h32m48s
